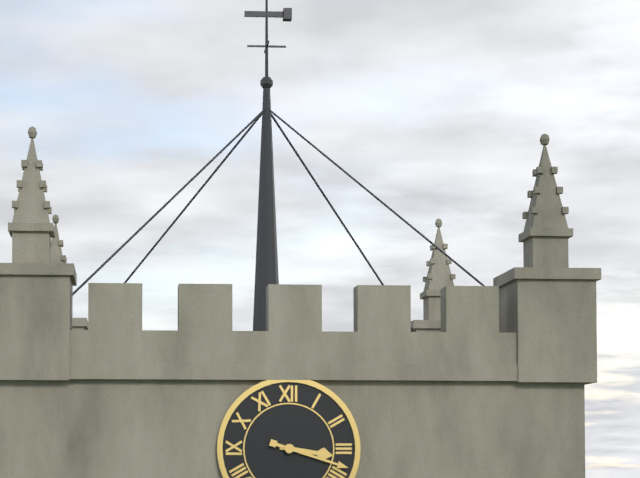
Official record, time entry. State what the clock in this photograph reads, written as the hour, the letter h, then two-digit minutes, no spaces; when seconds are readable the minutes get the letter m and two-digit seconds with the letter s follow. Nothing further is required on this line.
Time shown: 3h18
